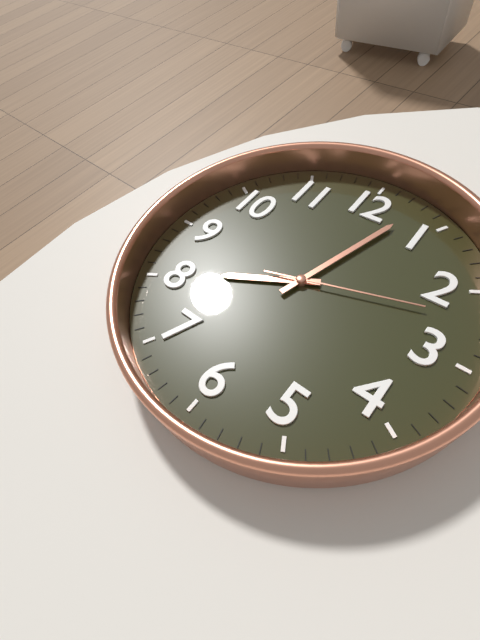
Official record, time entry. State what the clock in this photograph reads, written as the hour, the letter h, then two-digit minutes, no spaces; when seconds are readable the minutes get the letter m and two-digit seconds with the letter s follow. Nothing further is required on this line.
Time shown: 8h03m12s
